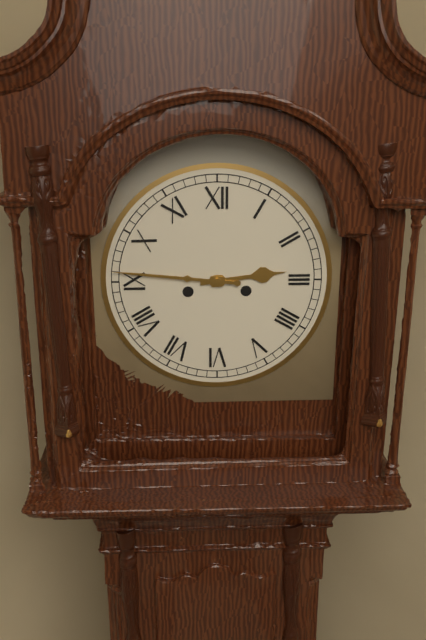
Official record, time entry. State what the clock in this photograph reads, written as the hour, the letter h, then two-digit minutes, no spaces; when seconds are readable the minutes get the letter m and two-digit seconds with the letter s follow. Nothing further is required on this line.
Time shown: 2h46
